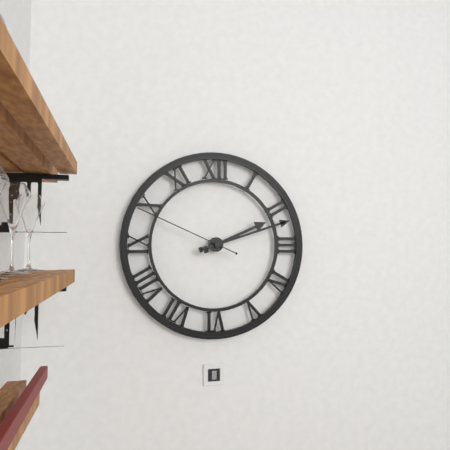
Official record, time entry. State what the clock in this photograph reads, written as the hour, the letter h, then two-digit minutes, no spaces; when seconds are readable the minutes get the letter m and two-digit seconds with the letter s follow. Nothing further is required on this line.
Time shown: 2h12m49s
